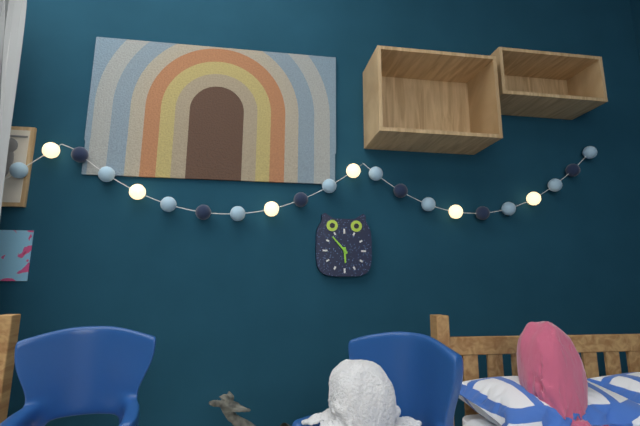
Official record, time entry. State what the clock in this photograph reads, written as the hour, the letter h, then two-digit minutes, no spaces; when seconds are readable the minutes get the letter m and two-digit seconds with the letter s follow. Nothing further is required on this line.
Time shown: 5h53
